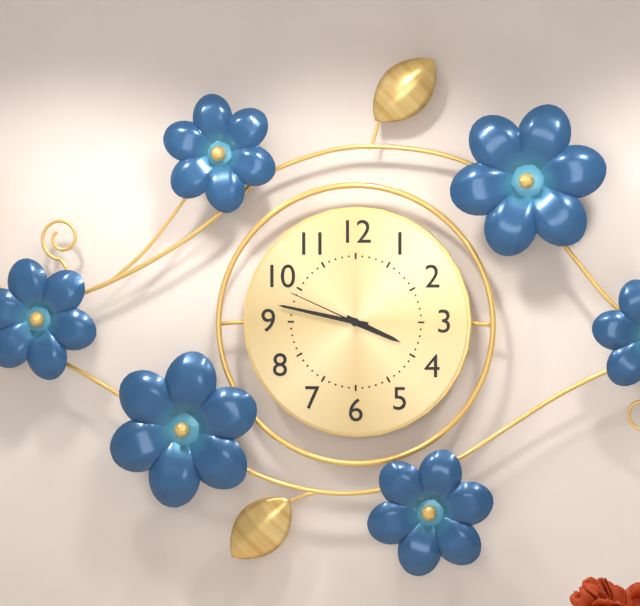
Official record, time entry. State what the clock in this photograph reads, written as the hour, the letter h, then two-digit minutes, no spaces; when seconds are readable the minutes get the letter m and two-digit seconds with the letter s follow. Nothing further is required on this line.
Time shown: 3h47m49s
